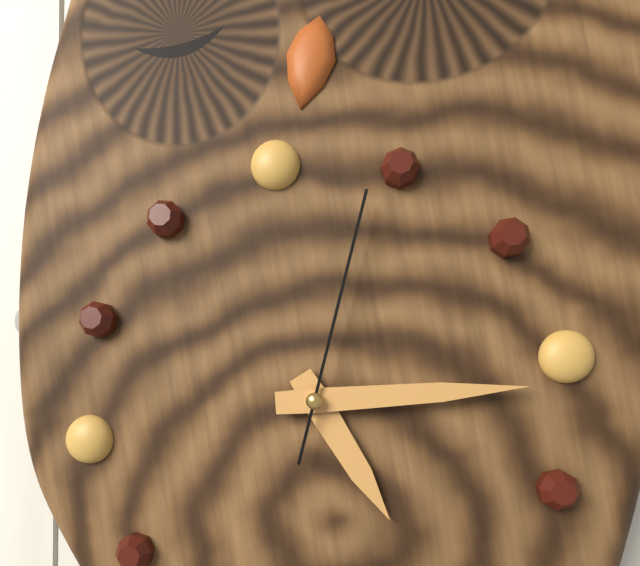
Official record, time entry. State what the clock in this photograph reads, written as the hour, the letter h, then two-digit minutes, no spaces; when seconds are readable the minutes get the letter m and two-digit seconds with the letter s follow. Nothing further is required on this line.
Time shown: 5h16m04s
